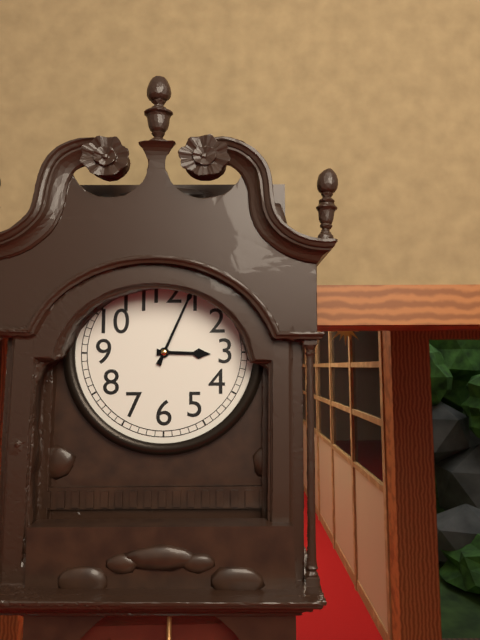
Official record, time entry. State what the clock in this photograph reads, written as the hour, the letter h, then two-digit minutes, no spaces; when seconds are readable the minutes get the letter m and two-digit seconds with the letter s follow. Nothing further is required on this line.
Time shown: 3h04
